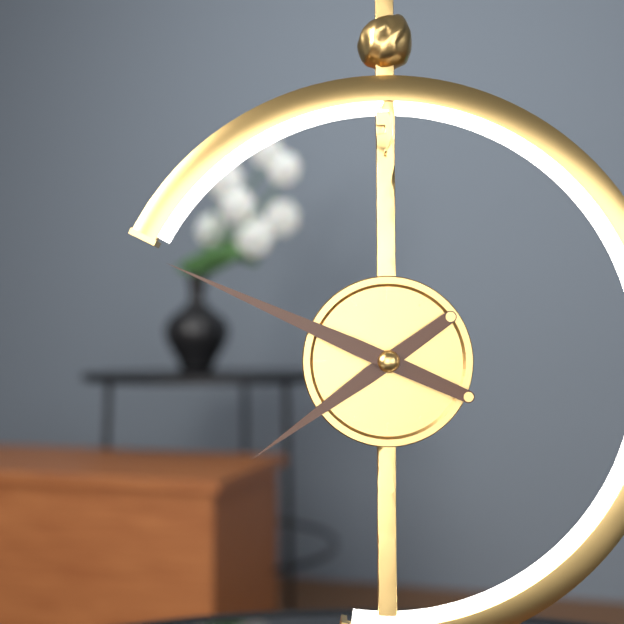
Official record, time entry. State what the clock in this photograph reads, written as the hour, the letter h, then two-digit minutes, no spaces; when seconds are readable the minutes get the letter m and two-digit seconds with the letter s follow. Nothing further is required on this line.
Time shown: 7h49
